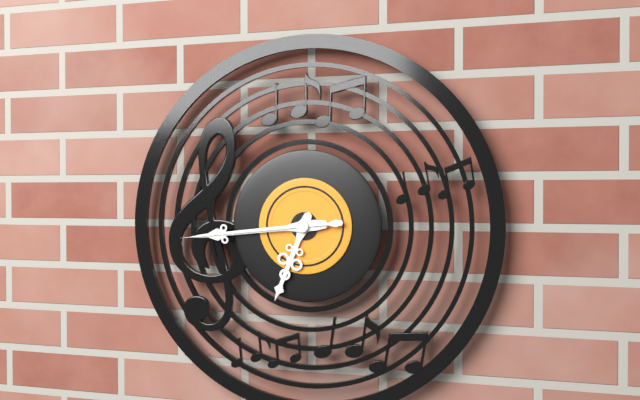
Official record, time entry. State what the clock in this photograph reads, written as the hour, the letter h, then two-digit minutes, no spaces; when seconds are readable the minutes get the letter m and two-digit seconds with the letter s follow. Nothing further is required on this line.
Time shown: 6h44m44s
